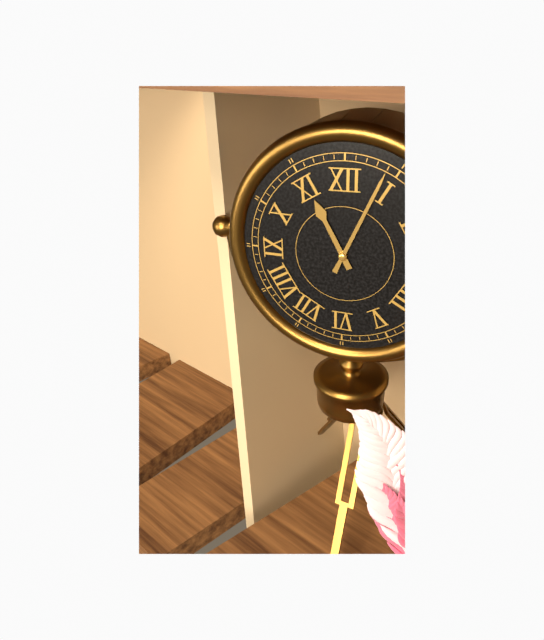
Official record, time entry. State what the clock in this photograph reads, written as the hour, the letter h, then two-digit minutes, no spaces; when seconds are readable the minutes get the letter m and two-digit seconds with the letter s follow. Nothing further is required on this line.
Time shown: 11h04
